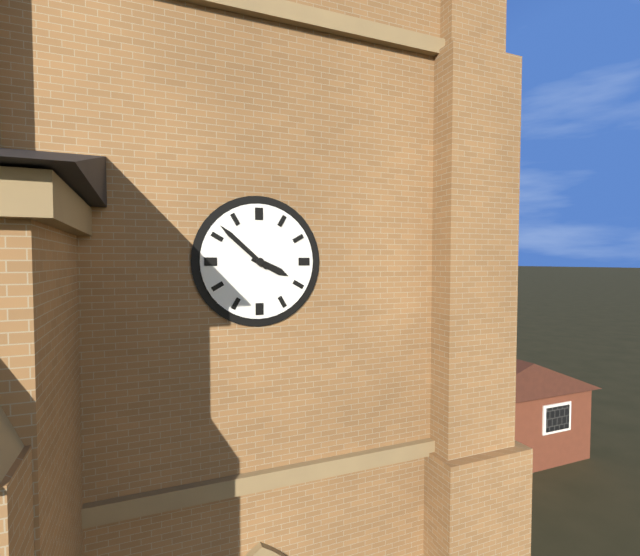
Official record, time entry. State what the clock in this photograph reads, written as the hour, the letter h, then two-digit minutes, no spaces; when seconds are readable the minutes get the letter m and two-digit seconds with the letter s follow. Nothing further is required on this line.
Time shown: 3h52
